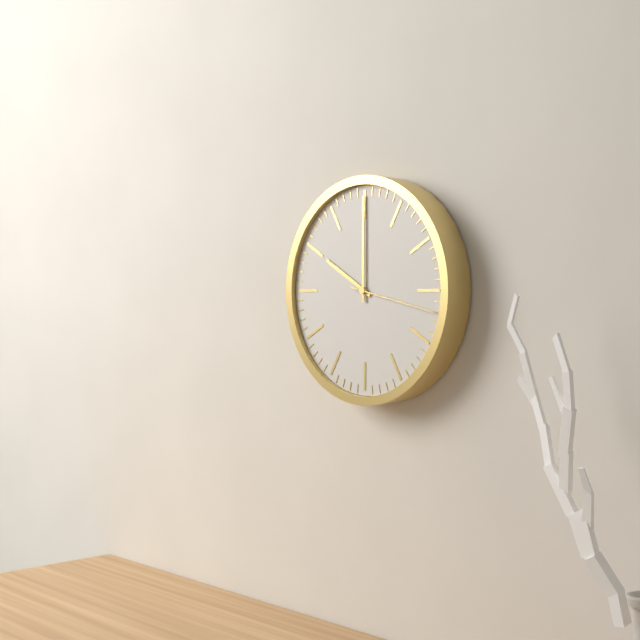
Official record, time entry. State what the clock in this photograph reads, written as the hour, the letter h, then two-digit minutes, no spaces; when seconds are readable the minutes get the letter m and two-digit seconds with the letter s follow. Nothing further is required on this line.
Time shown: 10h00m17s
